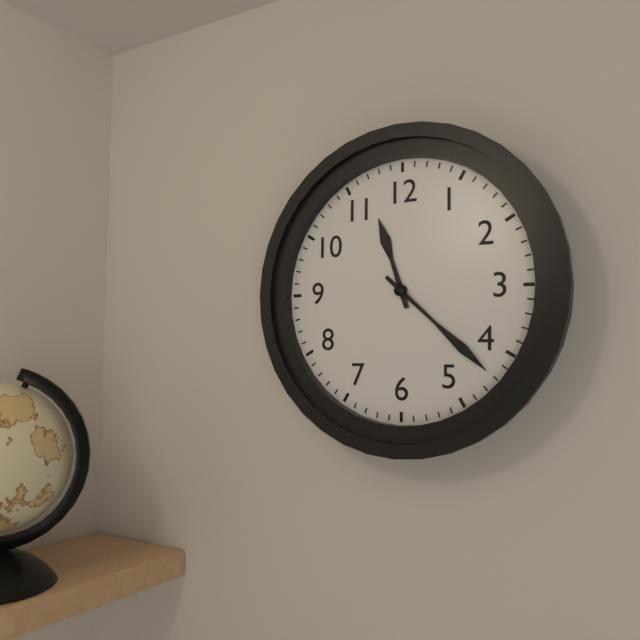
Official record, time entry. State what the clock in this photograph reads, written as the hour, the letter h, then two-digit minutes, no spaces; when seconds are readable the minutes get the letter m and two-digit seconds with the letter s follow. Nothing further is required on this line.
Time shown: 11h22
